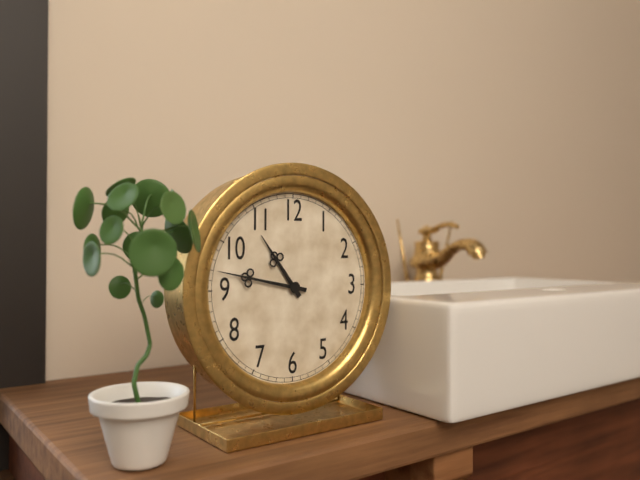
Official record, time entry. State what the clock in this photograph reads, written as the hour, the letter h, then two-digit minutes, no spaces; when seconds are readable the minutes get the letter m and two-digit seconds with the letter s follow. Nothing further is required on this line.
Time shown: 10h47
